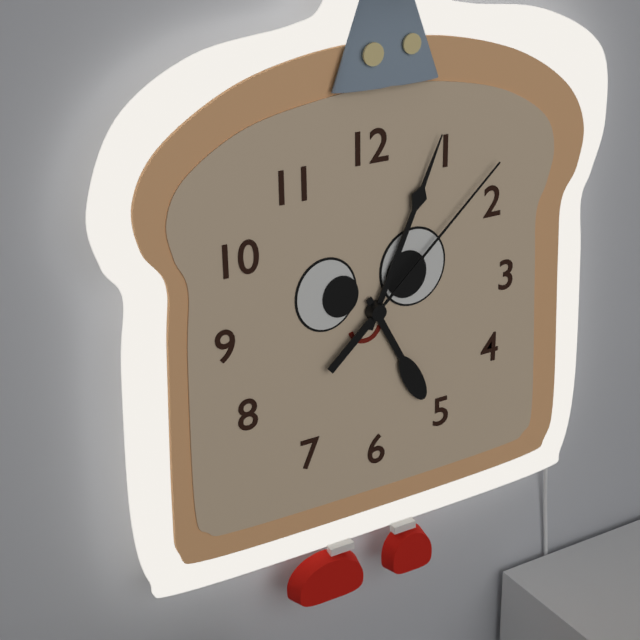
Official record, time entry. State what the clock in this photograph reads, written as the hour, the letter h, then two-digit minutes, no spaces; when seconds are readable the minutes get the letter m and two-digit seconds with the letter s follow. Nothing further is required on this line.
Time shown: 5h04m08s
